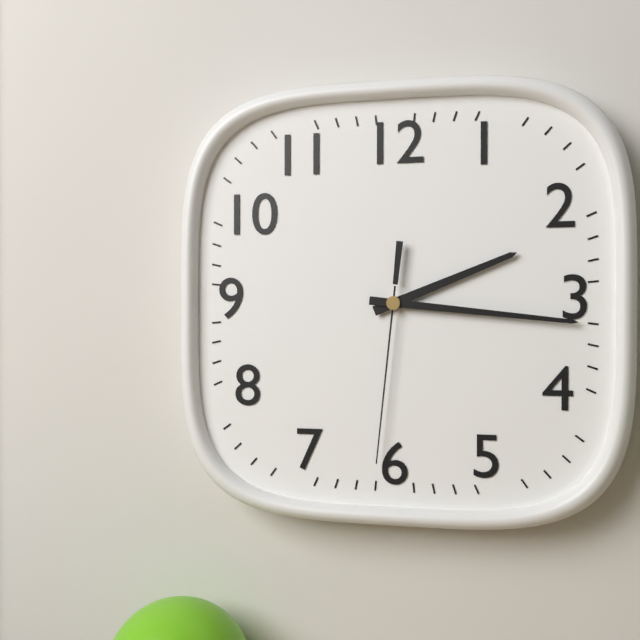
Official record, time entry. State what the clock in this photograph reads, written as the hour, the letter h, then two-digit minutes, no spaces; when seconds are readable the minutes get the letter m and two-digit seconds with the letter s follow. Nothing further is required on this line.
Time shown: 2h16m31s
